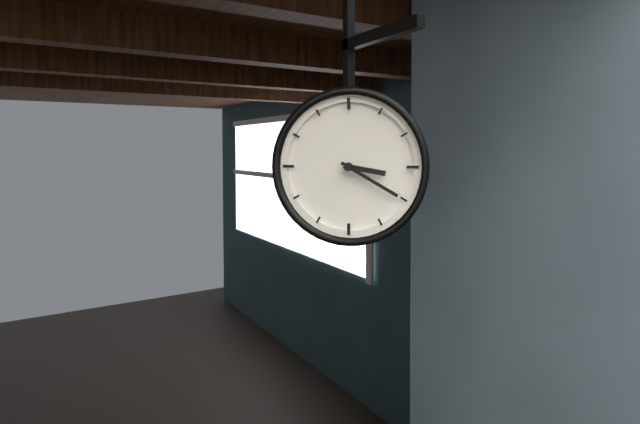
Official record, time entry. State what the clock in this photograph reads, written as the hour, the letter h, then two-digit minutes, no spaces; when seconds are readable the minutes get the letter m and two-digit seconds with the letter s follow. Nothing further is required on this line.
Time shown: 3h20
